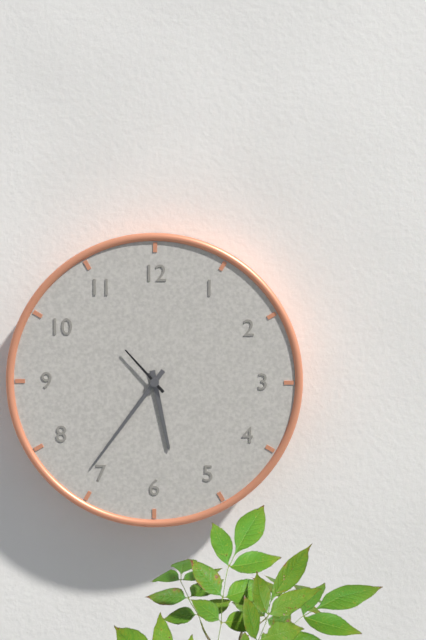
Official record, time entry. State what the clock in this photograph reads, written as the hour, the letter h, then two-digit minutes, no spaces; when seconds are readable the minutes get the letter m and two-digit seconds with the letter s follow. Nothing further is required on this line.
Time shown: 5h36m53s
